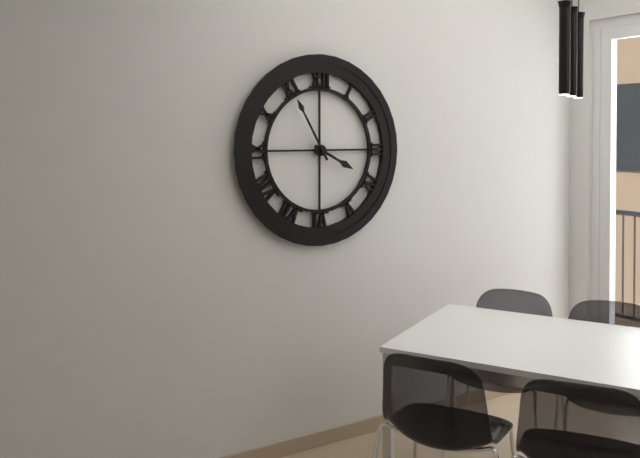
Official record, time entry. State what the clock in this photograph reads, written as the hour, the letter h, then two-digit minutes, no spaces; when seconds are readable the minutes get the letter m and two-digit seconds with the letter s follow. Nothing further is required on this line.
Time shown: 3h55
